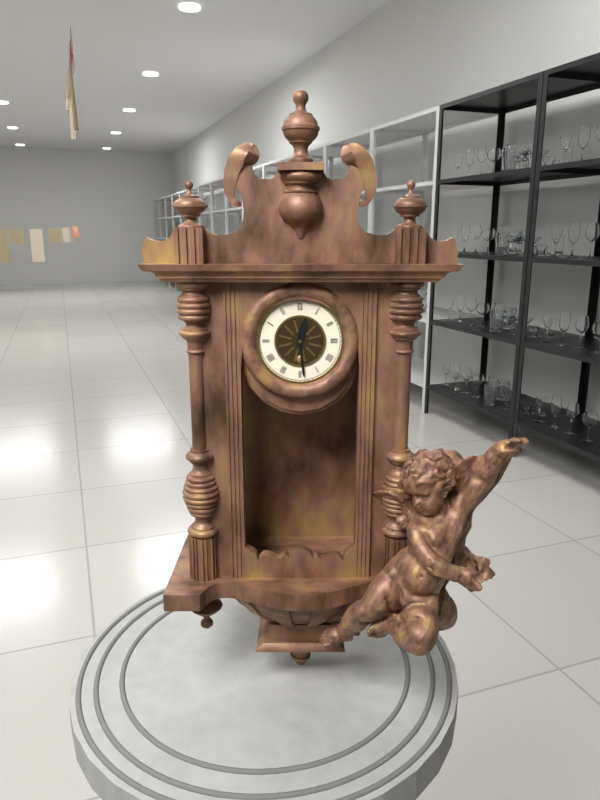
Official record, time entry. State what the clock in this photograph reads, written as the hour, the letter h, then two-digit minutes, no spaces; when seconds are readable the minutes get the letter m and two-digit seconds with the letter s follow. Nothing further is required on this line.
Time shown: 12h29
